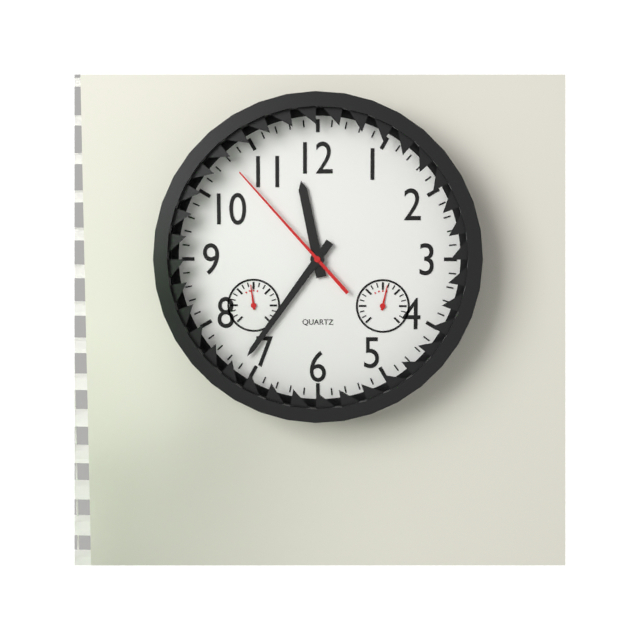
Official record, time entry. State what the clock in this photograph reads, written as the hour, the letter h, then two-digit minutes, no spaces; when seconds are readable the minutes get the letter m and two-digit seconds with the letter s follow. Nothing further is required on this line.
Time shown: 11h36m53s
